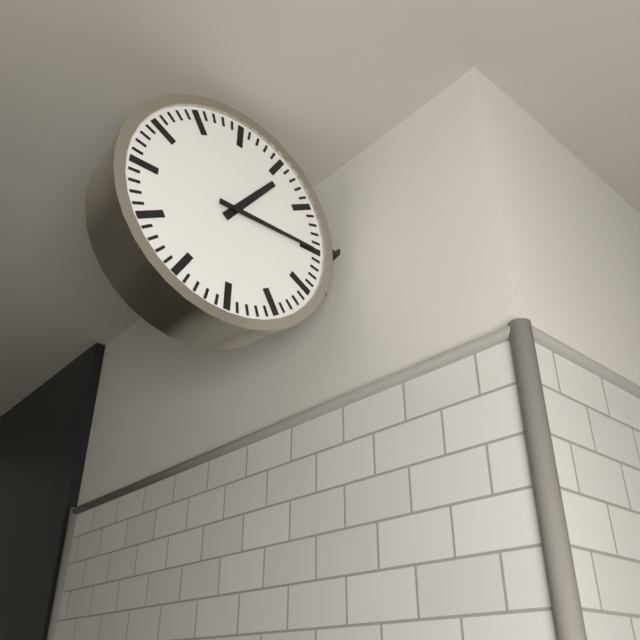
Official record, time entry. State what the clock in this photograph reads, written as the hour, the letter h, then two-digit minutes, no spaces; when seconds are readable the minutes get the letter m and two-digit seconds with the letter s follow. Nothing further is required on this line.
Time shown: 1h15
